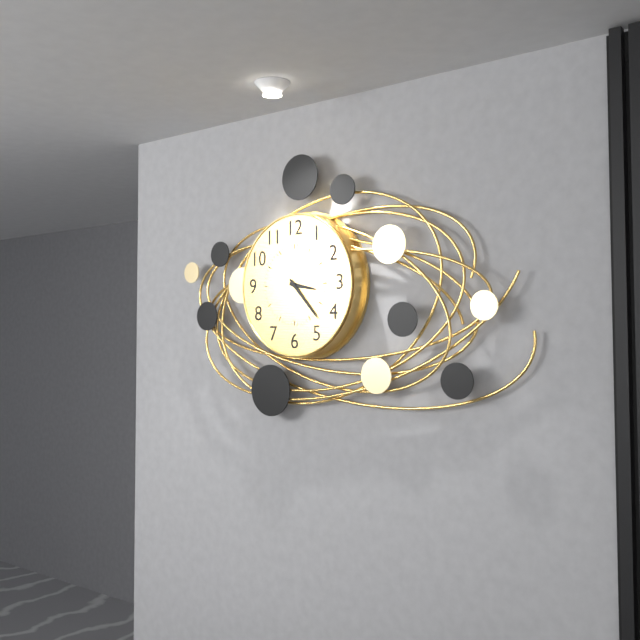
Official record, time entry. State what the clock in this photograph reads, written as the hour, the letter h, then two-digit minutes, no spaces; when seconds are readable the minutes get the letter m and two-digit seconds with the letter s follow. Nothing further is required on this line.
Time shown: 3h23
